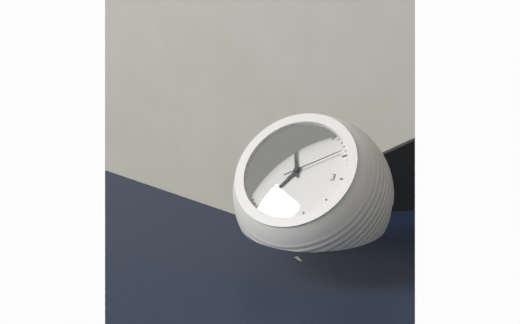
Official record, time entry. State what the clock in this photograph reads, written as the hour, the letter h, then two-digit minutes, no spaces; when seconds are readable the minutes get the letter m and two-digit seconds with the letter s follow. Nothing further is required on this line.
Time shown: 6h56m09s
